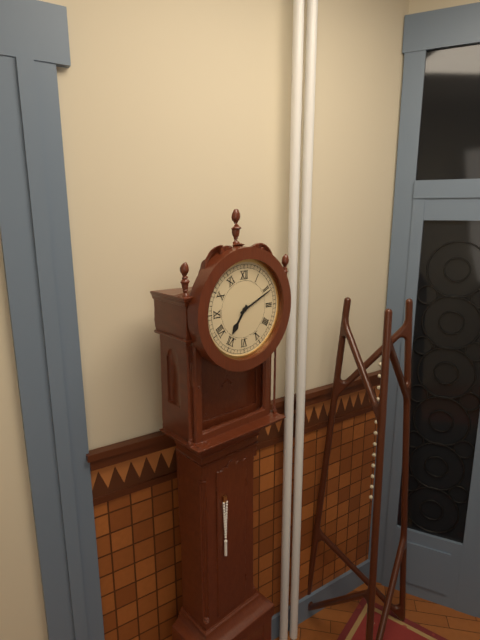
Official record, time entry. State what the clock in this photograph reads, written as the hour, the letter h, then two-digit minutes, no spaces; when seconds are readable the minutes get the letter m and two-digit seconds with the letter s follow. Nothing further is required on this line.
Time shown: 7h11
